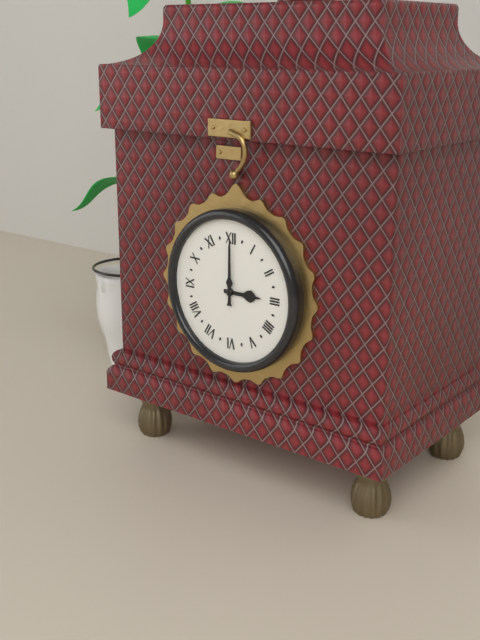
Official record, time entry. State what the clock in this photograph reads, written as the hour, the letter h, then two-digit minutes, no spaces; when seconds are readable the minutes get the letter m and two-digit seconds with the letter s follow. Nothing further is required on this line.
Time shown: 3h00
